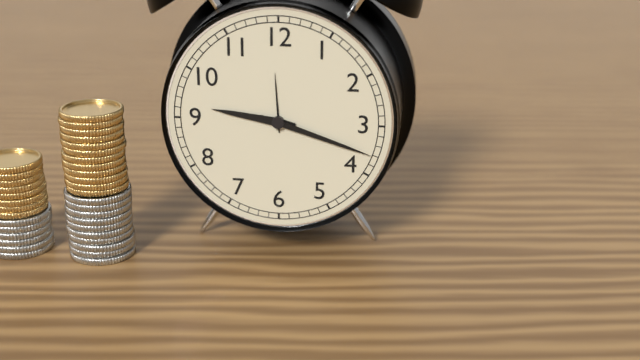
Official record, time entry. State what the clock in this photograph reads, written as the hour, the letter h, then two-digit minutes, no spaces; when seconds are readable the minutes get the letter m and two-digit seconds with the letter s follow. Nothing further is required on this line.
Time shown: 9h18
